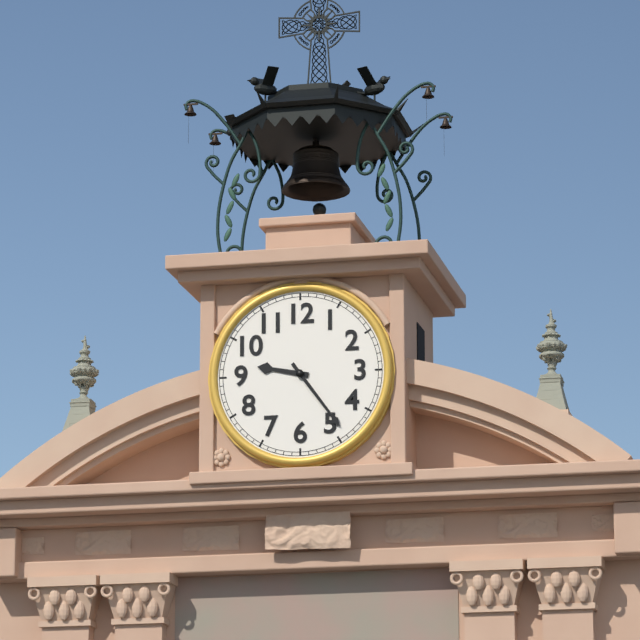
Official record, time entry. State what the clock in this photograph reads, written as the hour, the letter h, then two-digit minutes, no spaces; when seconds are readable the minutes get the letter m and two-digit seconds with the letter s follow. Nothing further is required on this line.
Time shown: 9h24
